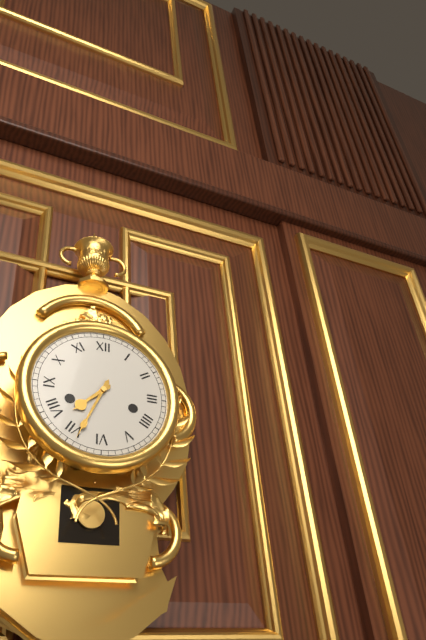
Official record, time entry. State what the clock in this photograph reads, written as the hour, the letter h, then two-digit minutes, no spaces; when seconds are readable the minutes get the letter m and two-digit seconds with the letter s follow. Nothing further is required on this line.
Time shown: 7h34
